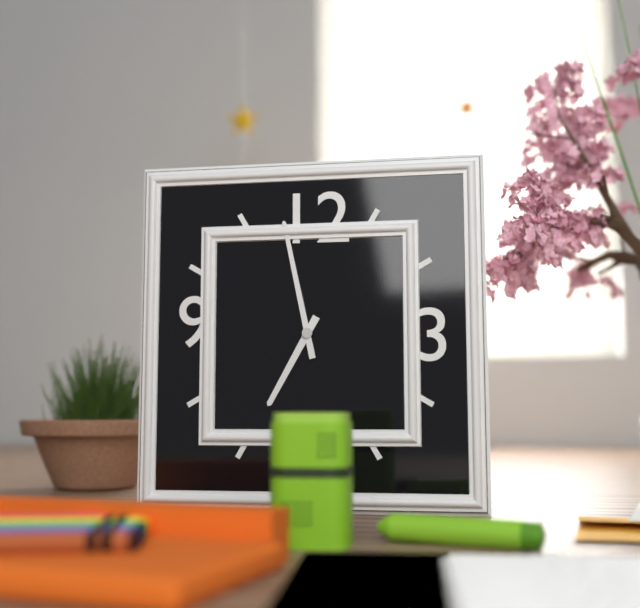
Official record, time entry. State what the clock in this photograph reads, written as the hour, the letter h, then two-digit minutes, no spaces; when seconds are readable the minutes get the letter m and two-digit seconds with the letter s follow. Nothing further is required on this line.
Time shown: 6h58
